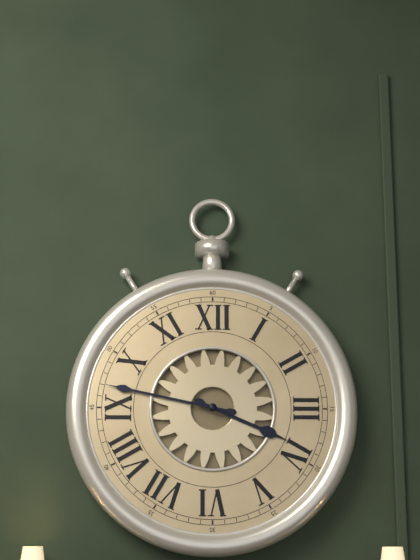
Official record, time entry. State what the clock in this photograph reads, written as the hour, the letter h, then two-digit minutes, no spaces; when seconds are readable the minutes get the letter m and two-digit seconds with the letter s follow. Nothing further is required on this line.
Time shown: 3h47
